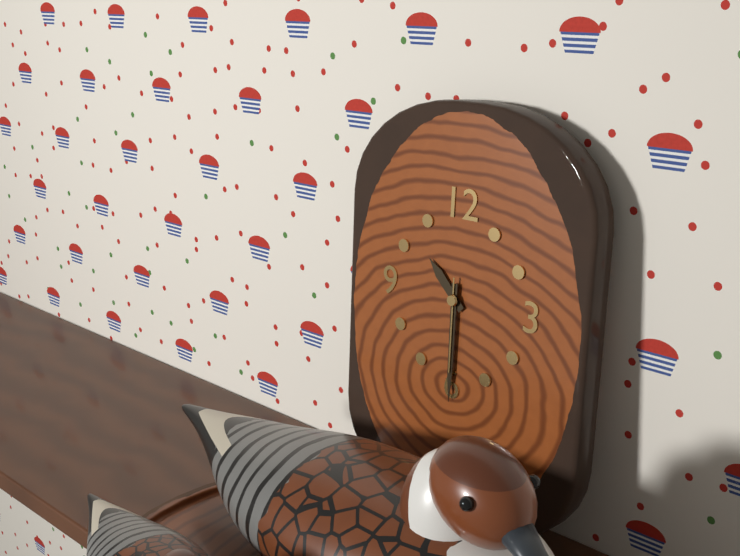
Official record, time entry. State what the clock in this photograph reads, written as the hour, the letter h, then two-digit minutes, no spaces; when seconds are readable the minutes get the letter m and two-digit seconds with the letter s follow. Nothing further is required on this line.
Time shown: 10h30m30s
